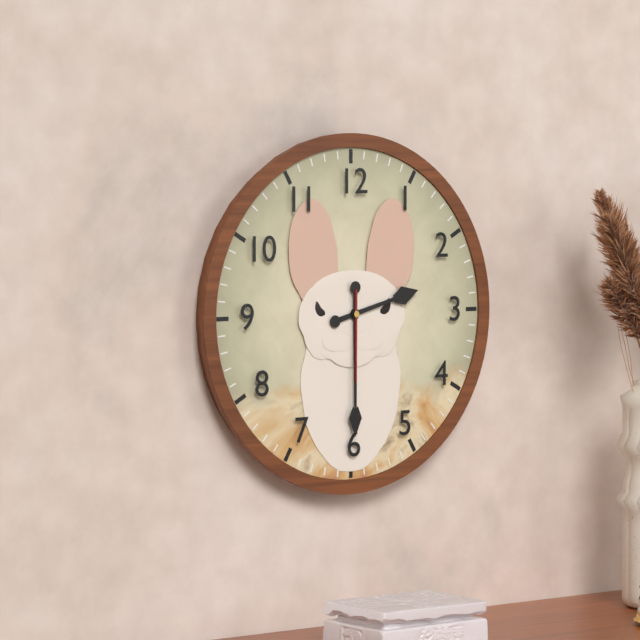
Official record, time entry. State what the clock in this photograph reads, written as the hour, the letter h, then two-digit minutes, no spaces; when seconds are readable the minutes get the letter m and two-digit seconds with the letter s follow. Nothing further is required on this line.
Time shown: 2h30m30s
